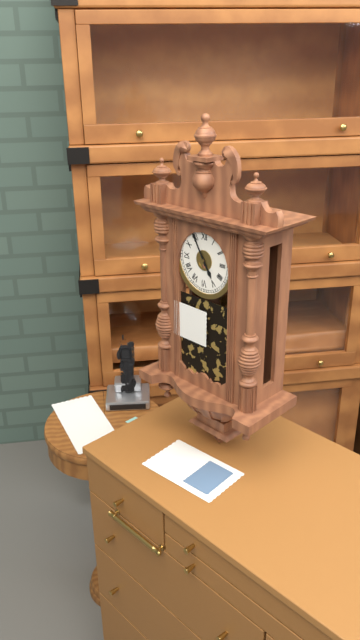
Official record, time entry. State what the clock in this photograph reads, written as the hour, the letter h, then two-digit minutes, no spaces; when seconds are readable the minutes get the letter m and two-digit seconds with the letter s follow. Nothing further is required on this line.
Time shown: 4h55
